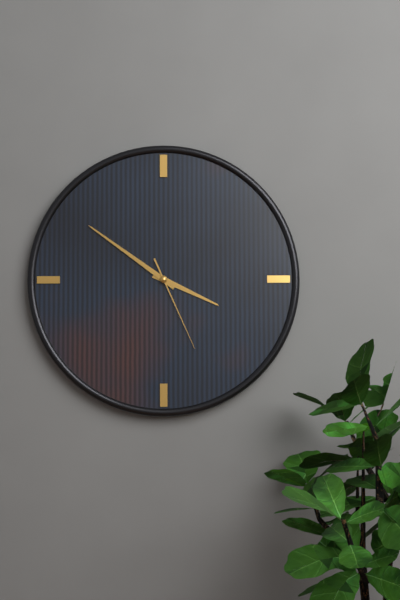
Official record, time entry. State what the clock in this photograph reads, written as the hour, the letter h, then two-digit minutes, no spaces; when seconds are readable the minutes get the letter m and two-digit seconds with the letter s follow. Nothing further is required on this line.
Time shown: 3h51m26s
